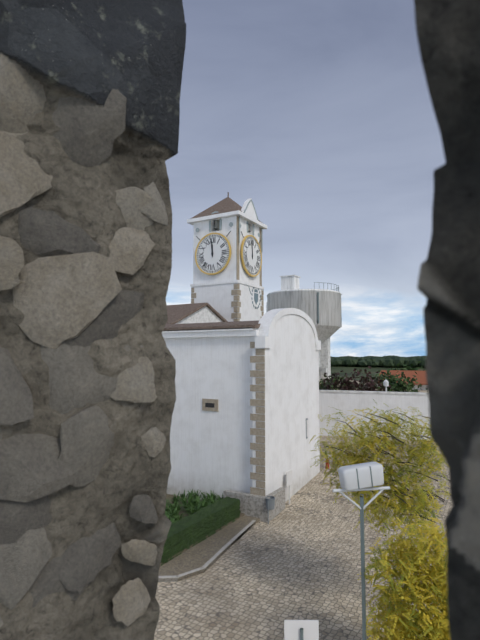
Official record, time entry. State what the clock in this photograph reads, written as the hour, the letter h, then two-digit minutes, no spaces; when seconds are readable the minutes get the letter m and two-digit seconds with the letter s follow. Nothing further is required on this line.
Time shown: 11h59
